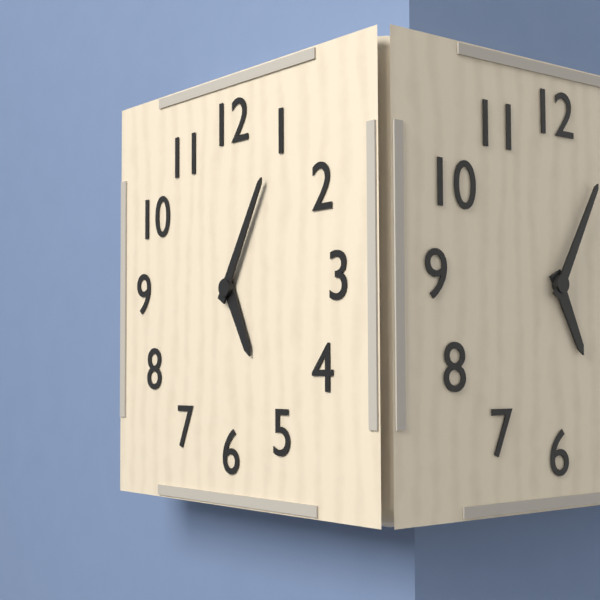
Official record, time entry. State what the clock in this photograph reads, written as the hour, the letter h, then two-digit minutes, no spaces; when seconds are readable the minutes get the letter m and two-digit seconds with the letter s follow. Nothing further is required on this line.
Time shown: 5h05
